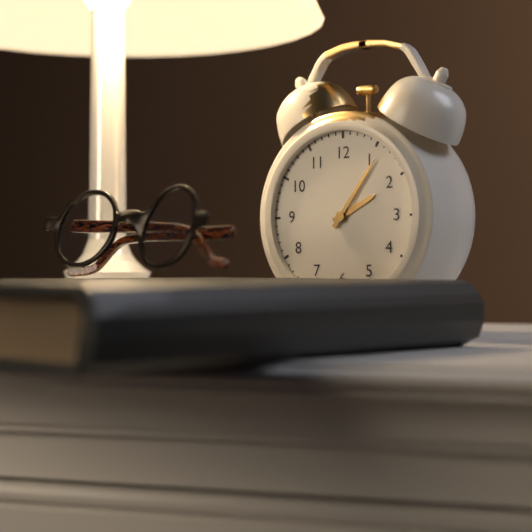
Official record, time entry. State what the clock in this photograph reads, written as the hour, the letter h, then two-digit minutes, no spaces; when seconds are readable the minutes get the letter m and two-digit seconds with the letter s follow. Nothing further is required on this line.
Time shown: 2h06
